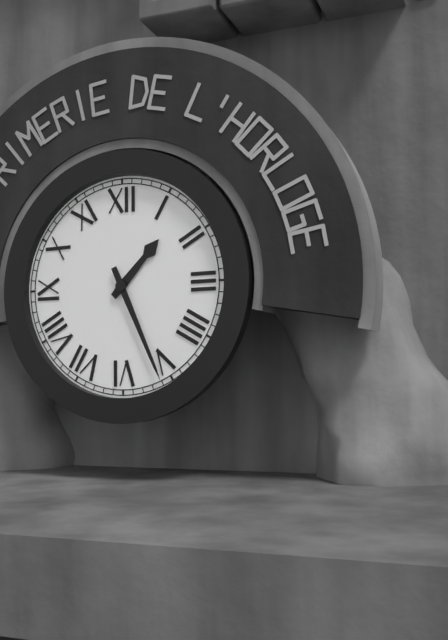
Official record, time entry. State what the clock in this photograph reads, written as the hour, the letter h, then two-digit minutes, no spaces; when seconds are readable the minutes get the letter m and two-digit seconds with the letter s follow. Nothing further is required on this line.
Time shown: 1h26
